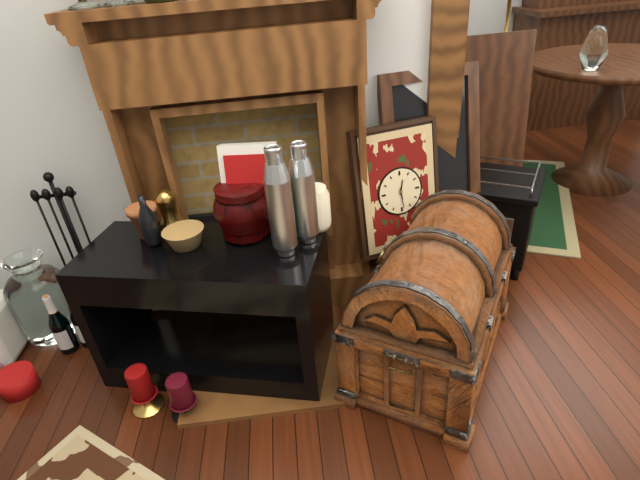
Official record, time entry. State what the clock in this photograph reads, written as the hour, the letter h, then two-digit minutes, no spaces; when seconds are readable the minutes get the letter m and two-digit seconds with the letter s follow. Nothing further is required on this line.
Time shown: 12h29
